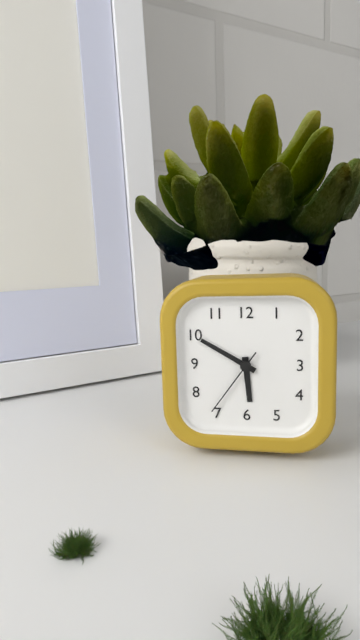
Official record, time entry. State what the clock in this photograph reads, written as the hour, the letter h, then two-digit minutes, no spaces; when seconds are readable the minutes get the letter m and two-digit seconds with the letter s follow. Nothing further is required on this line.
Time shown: 5h50m36s
